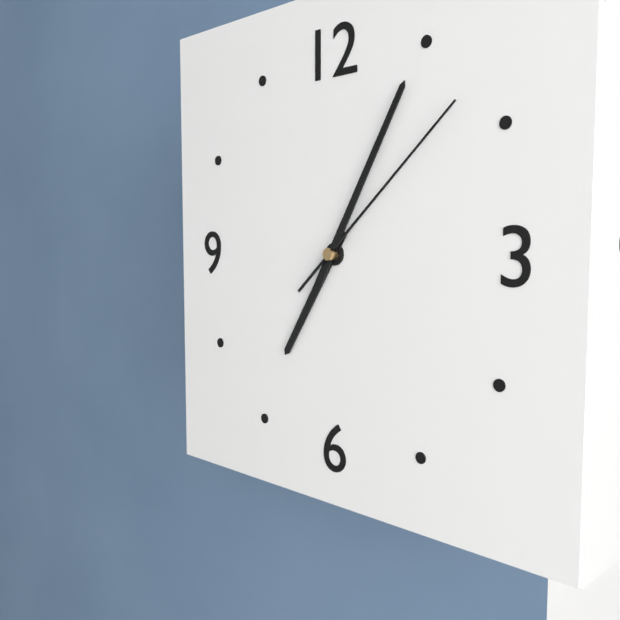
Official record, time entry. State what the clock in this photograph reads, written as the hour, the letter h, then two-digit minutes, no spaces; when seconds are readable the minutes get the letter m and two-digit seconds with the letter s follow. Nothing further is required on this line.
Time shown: 7h05m08s
